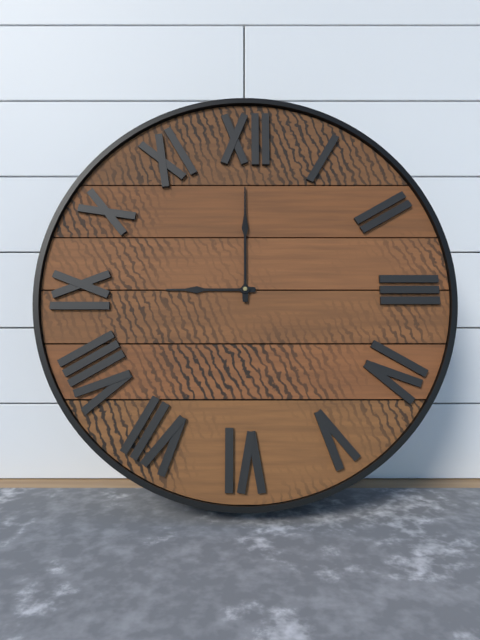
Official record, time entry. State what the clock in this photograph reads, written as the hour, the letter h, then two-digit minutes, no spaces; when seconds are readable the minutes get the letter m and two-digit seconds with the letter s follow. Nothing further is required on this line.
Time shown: 9h00
